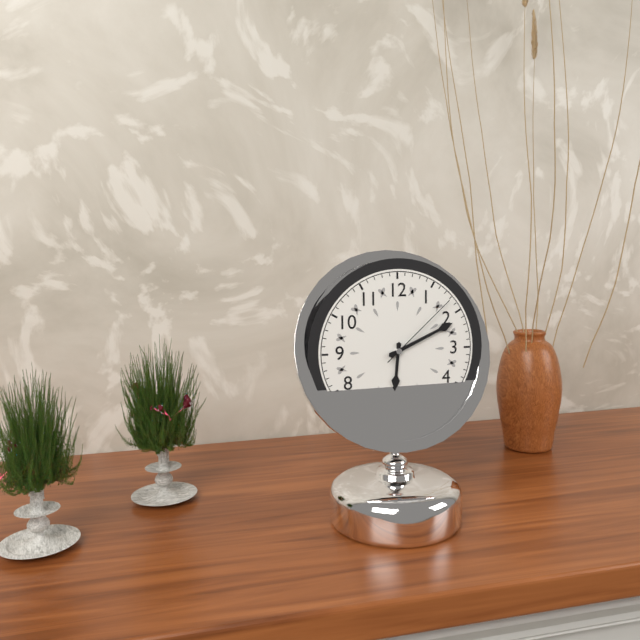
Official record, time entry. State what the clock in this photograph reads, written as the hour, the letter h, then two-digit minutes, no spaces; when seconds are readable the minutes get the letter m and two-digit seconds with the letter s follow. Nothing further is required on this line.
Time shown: 6h11m08s
